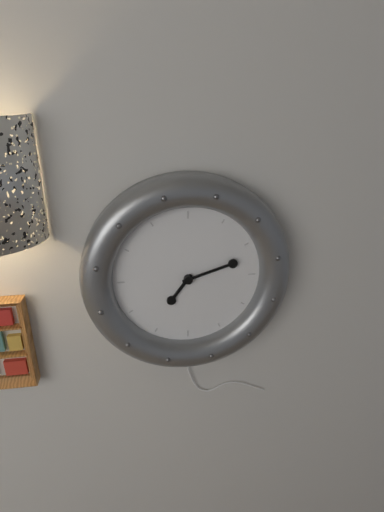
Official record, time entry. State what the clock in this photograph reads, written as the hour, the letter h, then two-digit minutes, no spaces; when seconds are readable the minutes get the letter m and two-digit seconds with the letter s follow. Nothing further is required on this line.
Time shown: 7h12
